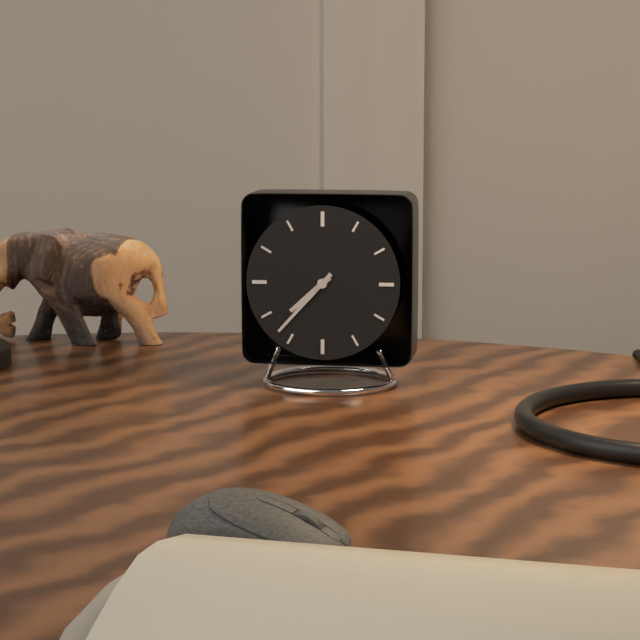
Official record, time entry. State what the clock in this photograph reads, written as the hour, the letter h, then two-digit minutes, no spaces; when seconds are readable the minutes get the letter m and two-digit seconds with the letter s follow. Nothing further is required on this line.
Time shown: 7h37
